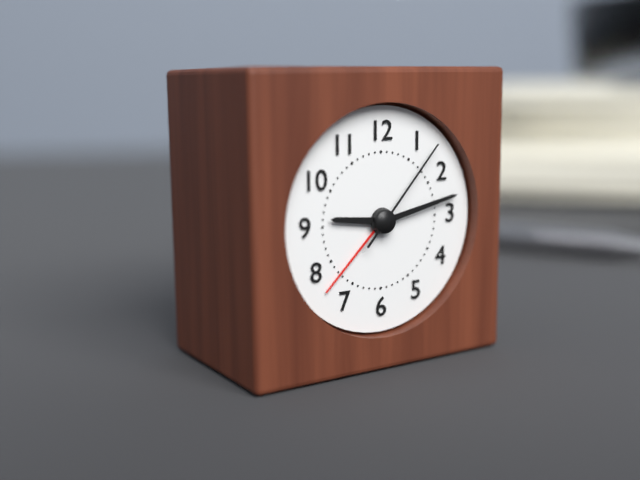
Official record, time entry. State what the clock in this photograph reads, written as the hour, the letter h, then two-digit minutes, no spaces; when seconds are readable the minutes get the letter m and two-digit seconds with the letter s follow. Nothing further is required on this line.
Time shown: 9h13m07s
